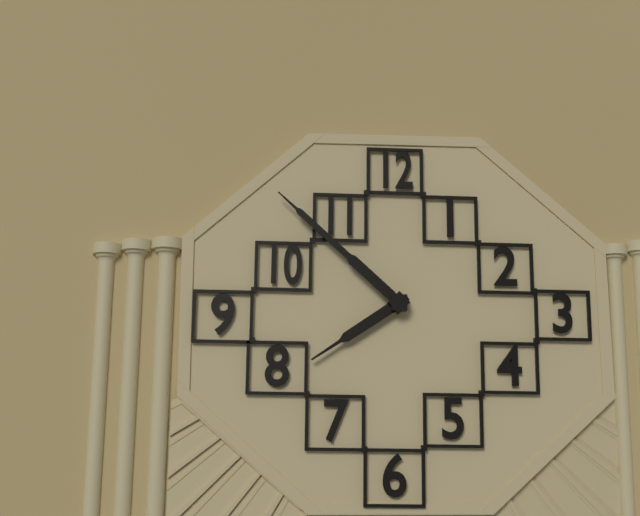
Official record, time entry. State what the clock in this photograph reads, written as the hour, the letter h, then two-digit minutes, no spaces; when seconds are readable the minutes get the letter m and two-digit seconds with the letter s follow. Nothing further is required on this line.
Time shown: 7h52
